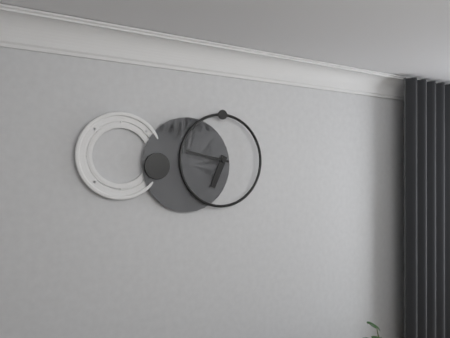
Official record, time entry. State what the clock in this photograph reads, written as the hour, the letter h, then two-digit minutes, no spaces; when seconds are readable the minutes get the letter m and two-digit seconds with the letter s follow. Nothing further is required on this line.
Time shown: 6h47
